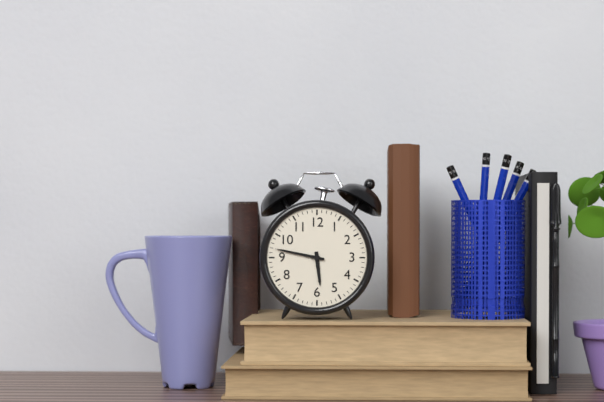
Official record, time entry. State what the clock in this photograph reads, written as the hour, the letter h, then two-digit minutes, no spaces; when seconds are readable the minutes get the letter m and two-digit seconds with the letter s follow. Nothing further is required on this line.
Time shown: 5h47
